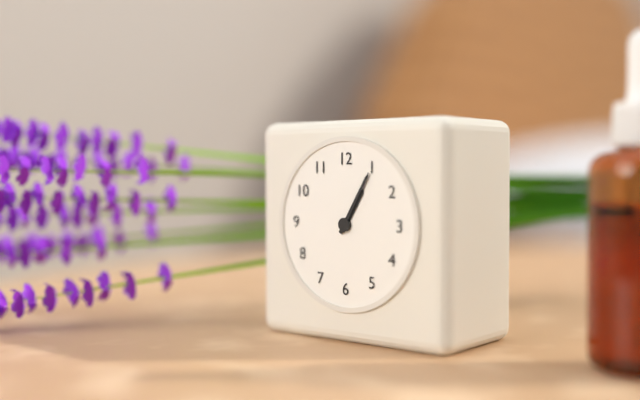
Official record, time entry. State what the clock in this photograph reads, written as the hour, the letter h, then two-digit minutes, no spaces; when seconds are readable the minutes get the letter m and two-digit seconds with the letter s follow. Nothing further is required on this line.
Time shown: 1h05
